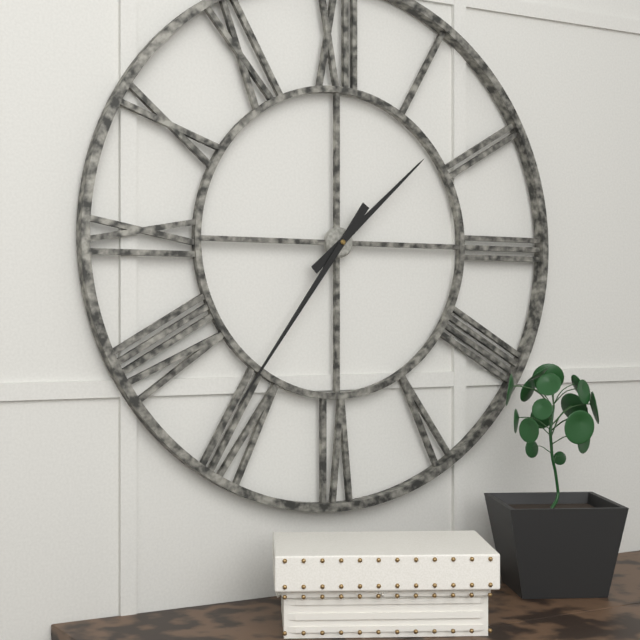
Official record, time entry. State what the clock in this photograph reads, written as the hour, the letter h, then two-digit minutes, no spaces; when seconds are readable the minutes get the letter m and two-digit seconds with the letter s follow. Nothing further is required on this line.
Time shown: 1h36
